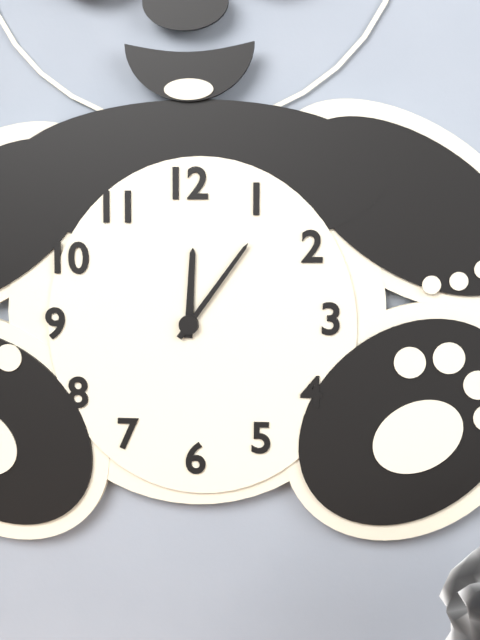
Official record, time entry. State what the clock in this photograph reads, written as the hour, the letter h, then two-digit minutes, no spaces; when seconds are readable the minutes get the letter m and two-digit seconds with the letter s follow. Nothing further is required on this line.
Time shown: 12h06
